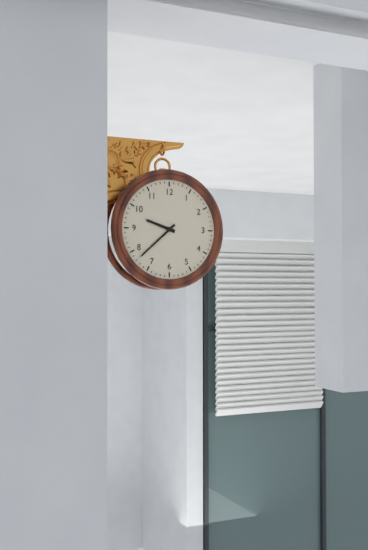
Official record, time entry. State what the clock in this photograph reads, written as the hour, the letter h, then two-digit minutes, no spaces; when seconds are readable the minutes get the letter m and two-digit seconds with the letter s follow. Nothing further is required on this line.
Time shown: 9h38
